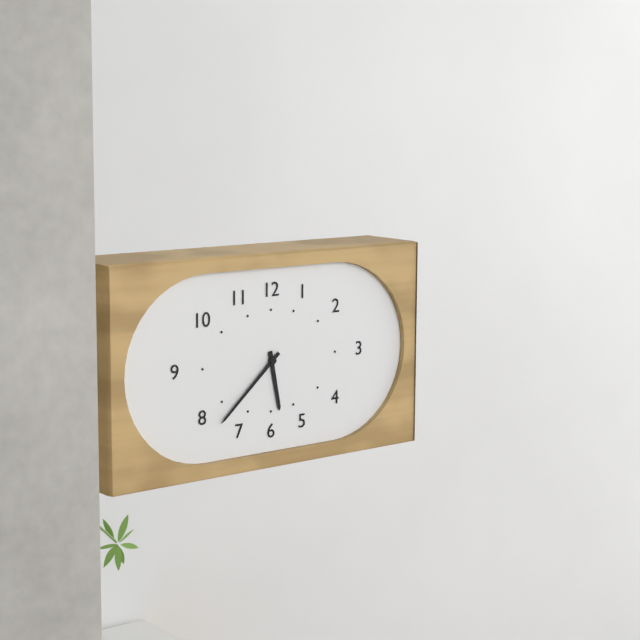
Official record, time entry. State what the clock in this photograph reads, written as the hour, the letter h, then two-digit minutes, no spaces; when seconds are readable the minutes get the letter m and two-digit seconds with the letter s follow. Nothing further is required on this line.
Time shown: 5h38
